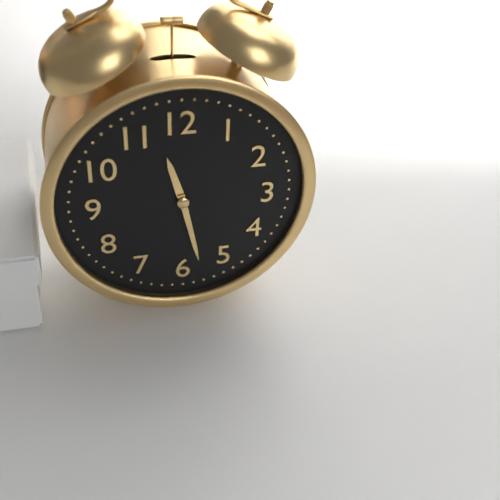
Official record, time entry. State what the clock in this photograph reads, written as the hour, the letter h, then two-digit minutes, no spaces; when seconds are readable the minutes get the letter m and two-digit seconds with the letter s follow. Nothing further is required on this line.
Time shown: 11h28
